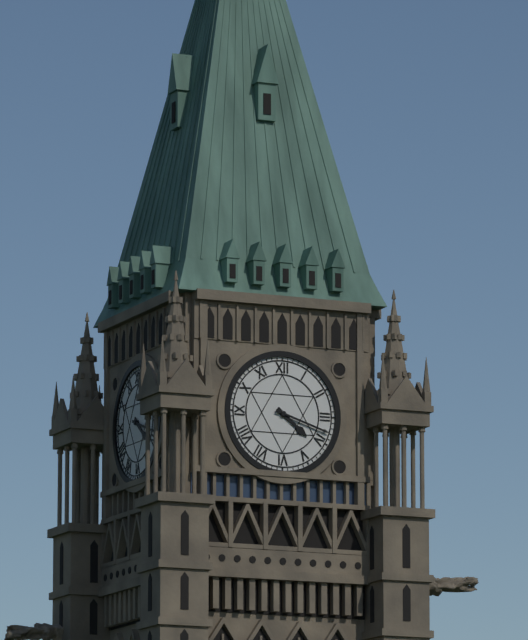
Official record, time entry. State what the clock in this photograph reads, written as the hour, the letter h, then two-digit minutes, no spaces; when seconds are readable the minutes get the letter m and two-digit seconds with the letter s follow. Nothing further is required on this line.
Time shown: 4h18
